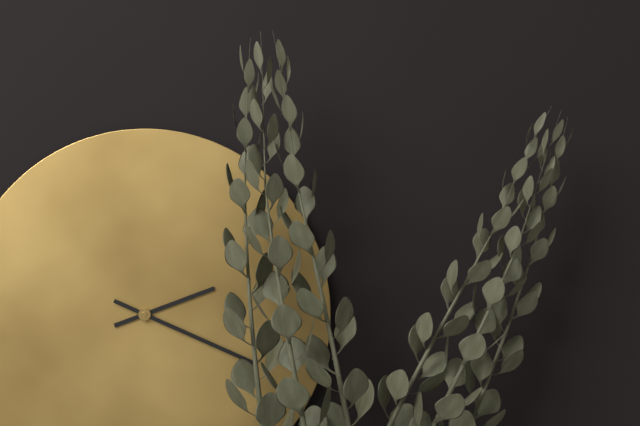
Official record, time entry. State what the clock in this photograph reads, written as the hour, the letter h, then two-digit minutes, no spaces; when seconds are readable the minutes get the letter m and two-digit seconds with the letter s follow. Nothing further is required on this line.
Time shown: 2h19
